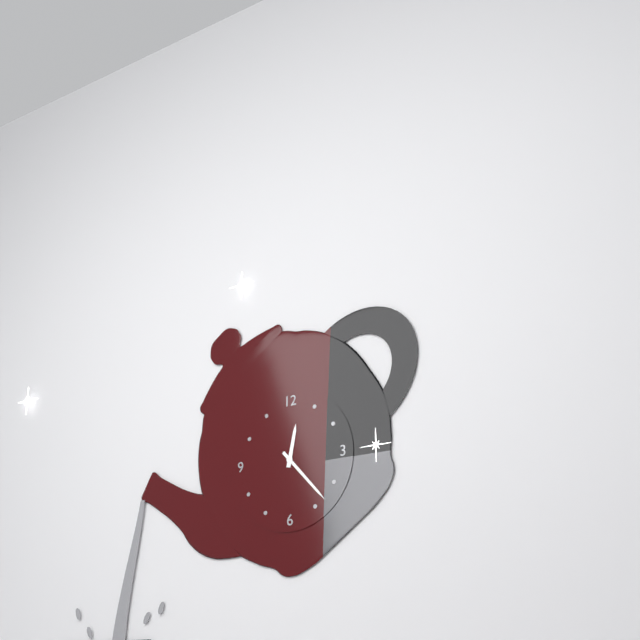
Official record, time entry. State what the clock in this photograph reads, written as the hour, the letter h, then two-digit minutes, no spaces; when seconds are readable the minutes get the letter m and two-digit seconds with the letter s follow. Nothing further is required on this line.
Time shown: 12h23
